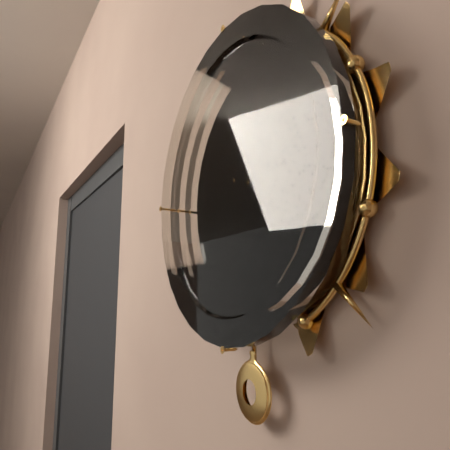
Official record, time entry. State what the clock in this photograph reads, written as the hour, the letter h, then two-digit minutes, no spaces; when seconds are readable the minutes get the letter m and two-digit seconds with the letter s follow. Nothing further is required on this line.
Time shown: 12h51
